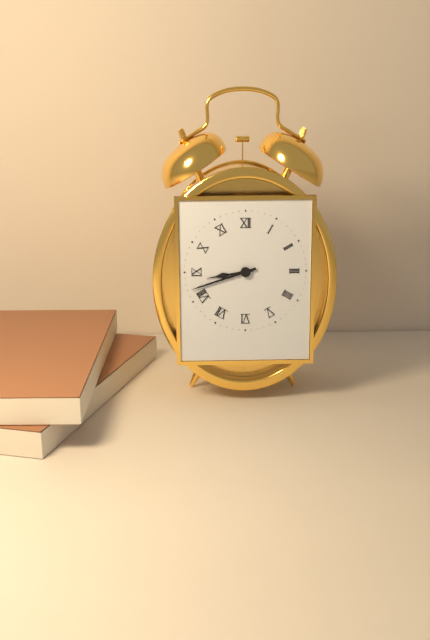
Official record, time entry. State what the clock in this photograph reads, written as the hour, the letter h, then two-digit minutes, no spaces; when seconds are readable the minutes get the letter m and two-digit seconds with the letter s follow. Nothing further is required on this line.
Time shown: 8h42
